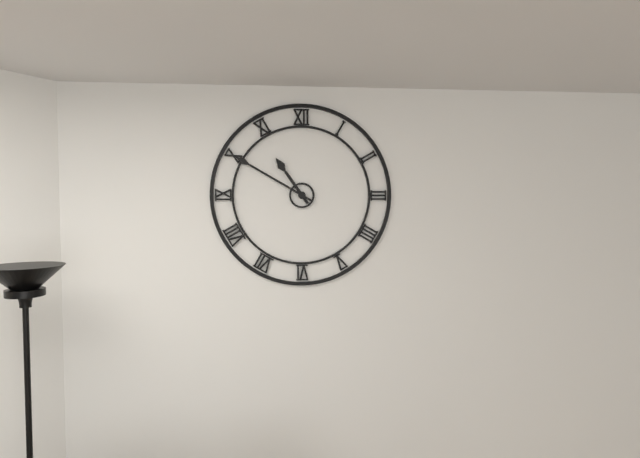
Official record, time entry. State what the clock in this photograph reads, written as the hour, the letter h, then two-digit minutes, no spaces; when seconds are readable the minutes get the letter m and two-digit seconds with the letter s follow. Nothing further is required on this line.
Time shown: 10h50
